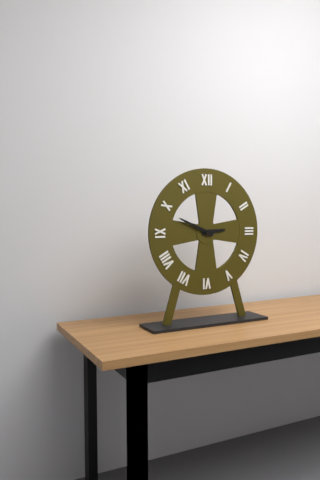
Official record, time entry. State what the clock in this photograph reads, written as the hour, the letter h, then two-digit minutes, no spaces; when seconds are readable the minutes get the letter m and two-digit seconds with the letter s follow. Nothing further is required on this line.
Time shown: 2h49
